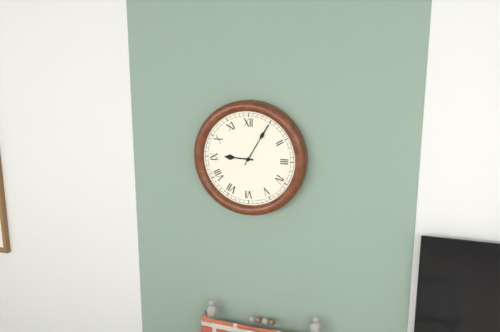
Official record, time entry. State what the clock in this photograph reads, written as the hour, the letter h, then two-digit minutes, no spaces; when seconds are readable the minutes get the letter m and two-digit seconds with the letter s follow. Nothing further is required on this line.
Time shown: 9h05
